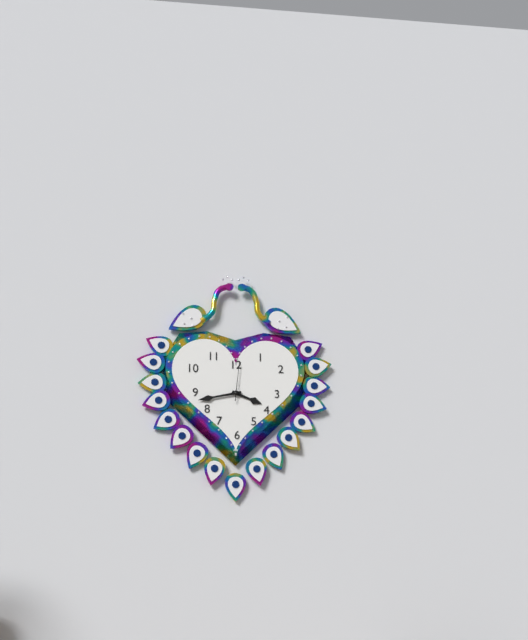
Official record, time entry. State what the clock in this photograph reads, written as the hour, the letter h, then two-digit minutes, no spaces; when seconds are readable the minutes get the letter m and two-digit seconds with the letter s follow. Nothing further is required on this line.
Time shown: 3h43
